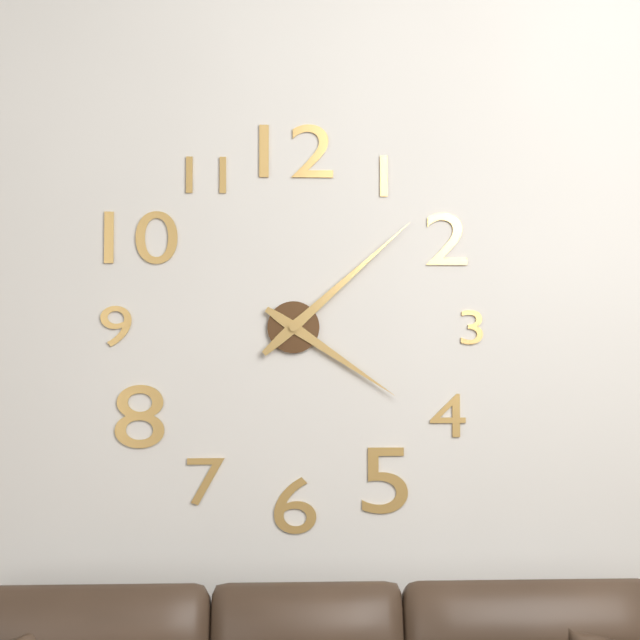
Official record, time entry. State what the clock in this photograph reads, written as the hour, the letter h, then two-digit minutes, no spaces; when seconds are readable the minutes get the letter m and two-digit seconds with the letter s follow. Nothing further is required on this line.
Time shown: 4h08
